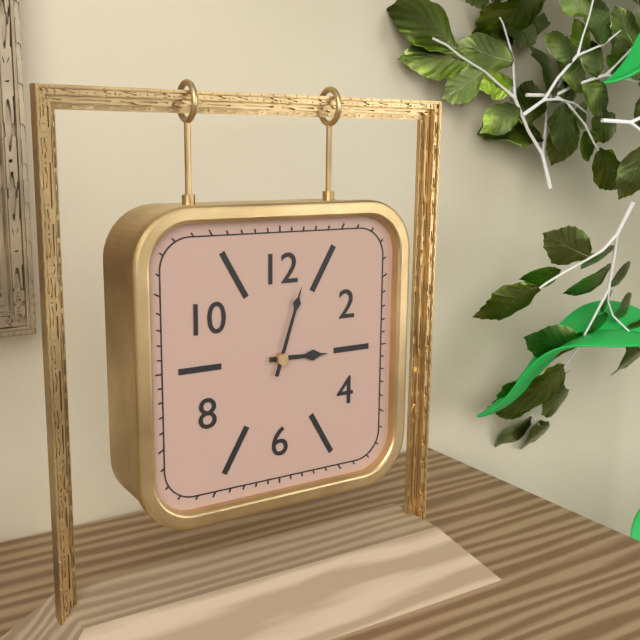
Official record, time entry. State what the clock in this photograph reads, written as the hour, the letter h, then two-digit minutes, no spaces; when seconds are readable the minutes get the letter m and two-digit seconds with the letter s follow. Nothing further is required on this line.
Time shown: 3h03
